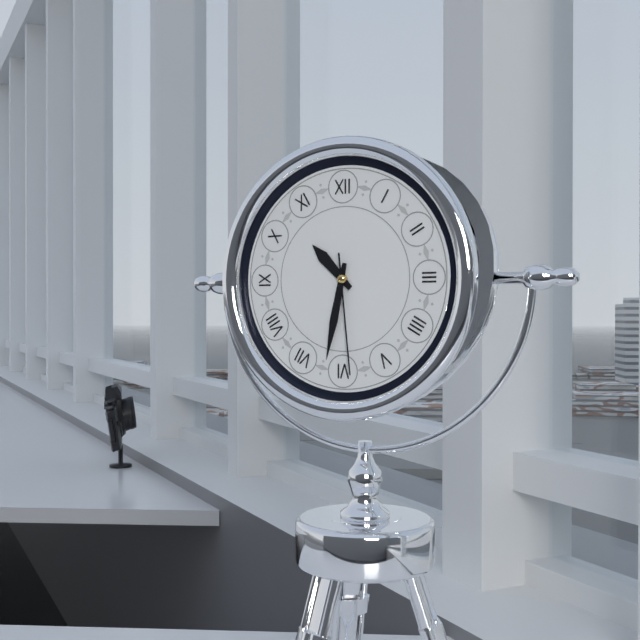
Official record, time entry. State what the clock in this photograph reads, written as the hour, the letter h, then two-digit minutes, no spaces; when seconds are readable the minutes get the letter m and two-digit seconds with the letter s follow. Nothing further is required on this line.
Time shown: 10h32m29s
